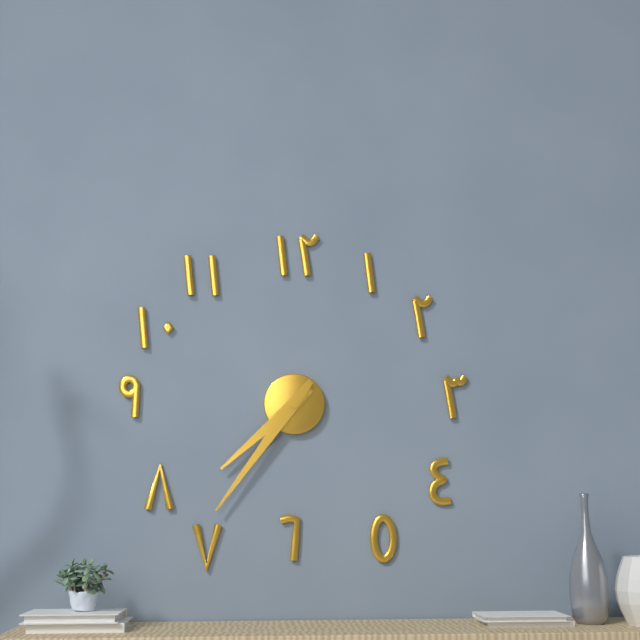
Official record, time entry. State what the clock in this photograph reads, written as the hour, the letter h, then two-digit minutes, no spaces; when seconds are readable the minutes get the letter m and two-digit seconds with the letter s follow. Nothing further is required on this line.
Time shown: 7h36
